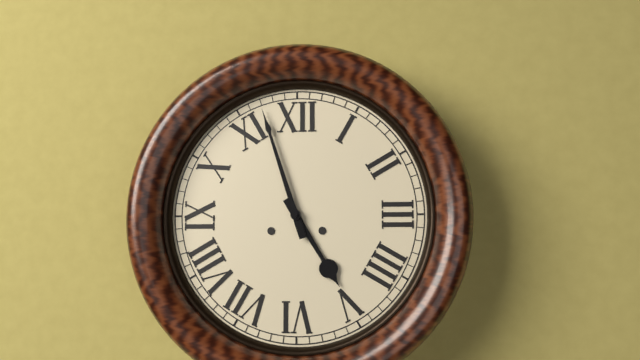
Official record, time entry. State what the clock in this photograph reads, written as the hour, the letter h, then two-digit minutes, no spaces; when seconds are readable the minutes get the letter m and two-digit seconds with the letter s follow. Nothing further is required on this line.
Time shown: 4h57
